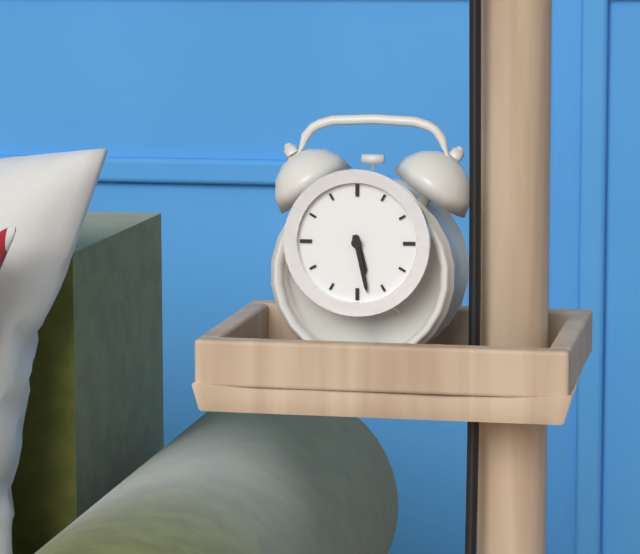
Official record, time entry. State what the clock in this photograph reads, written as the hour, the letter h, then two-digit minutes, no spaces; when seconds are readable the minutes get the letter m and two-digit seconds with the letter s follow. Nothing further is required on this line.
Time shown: 5h28
